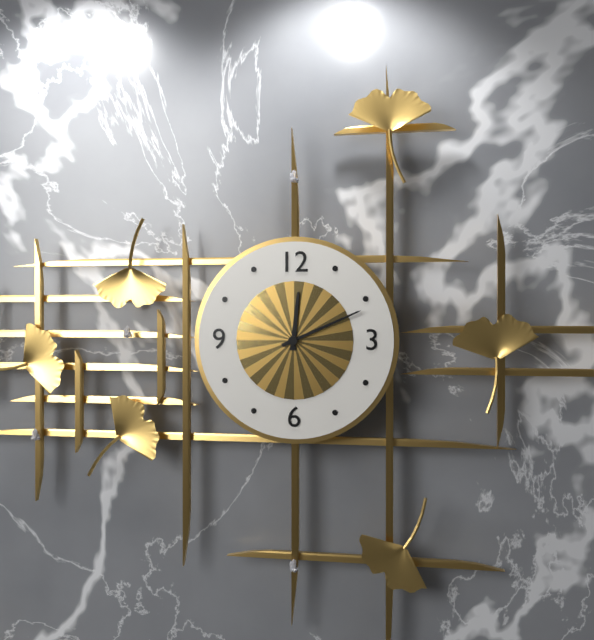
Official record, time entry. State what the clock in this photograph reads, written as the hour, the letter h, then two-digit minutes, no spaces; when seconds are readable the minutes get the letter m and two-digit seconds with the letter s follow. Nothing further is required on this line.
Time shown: 12h11
